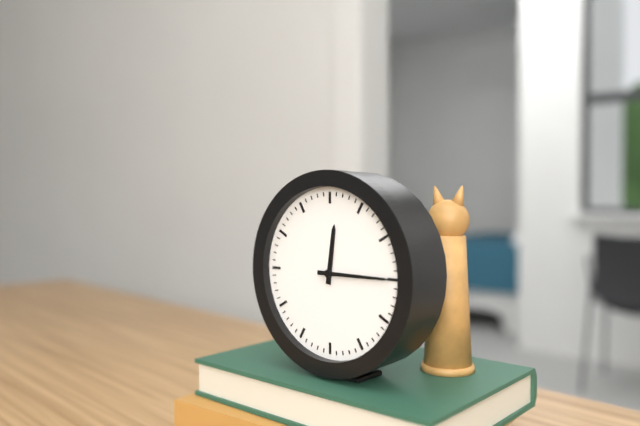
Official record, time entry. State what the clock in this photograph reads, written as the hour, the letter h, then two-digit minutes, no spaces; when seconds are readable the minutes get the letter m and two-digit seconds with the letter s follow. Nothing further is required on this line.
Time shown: 12h15
